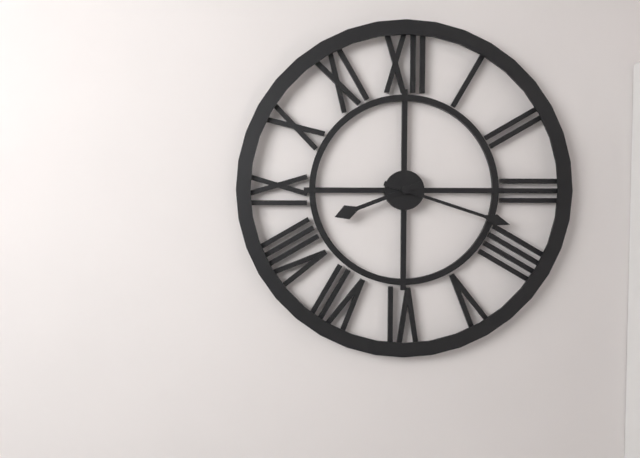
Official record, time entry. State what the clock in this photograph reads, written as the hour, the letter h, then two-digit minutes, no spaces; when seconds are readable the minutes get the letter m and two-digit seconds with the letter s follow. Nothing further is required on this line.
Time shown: 8h18
